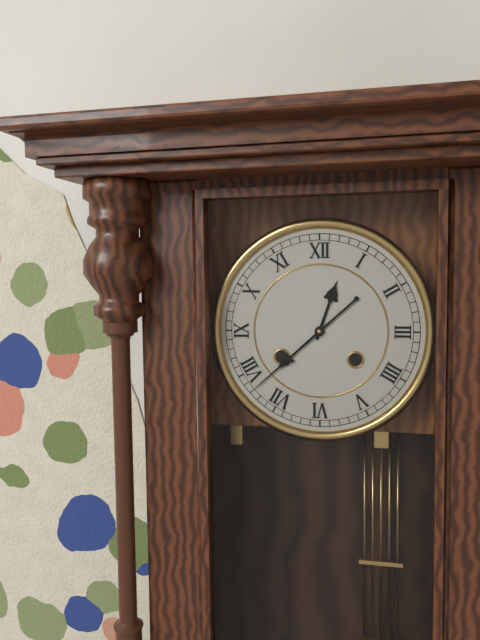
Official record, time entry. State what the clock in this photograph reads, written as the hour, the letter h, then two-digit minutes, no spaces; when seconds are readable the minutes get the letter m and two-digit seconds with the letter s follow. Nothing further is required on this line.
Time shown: 12h38
